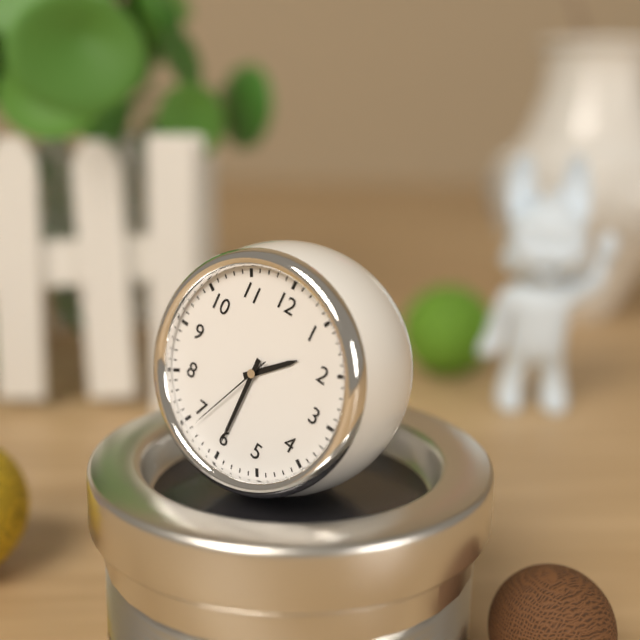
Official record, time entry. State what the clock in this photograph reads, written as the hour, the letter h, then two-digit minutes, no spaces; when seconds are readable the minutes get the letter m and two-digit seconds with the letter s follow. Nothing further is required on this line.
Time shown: 1h30m34s
